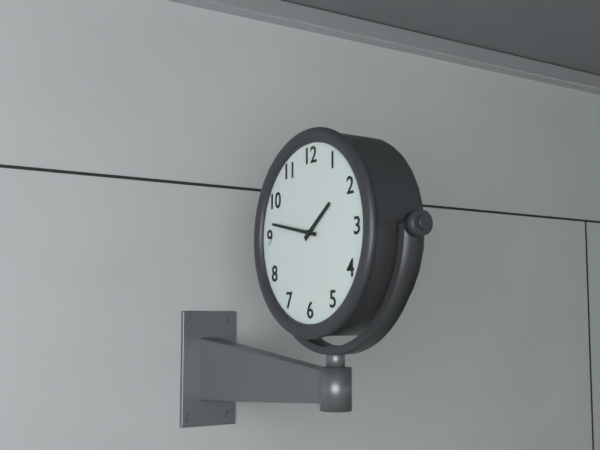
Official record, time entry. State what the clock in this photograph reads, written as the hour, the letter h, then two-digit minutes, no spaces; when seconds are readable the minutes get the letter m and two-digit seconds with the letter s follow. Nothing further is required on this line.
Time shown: 1h47
